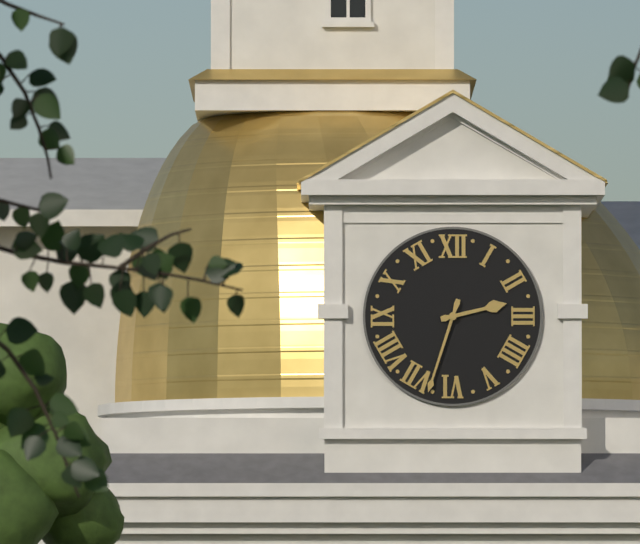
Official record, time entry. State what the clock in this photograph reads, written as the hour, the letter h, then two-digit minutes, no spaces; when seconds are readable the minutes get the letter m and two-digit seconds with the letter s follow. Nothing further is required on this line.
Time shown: 2h33
